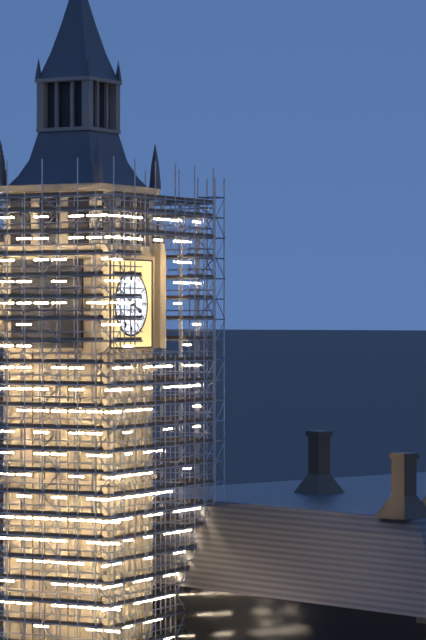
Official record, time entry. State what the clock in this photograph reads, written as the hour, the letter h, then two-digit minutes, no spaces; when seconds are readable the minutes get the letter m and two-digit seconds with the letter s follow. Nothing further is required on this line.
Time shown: 3h50
